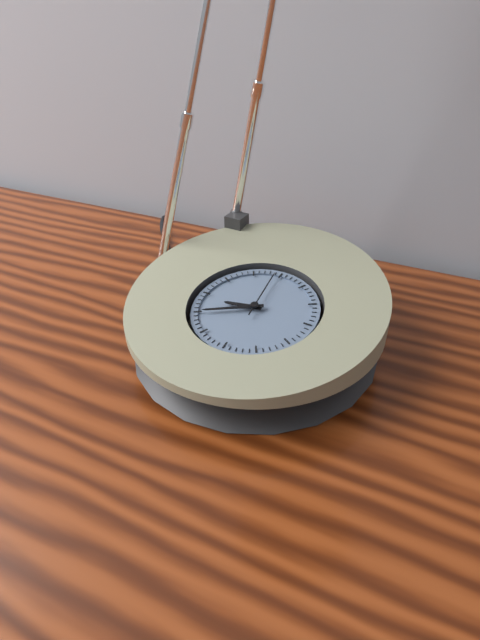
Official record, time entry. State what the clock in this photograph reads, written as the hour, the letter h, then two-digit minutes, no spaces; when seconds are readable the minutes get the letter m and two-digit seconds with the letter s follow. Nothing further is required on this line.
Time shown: 8h40m59s
